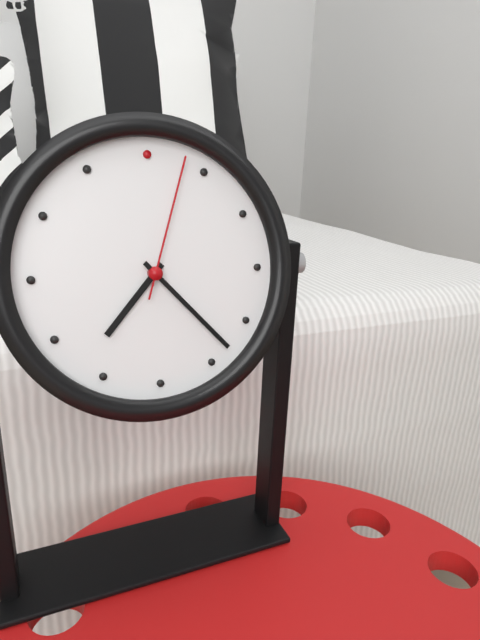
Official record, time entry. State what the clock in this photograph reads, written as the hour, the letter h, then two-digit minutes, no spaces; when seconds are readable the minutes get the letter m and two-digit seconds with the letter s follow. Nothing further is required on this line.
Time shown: 7h23m03s
